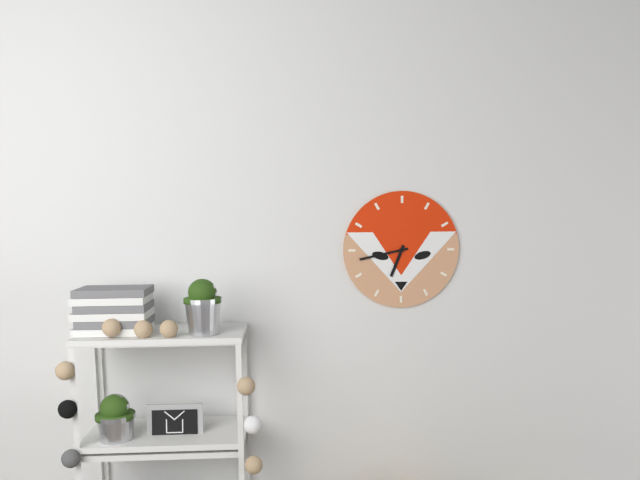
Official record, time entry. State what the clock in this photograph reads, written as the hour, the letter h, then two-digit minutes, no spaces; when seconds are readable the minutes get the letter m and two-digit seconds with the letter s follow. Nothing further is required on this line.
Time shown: 6h43
